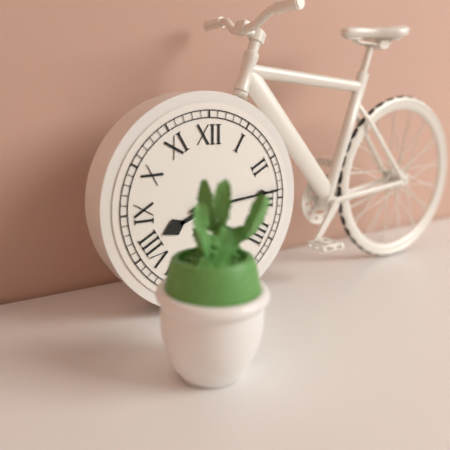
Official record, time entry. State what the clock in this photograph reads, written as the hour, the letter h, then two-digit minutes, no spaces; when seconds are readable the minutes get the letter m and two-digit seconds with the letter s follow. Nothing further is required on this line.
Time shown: 8h14
